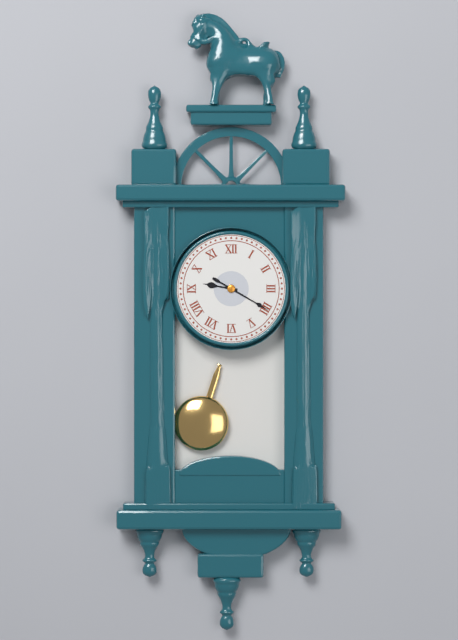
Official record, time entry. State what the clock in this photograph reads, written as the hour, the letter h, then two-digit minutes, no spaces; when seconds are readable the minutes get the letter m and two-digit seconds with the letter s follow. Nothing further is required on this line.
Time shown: 9h20
